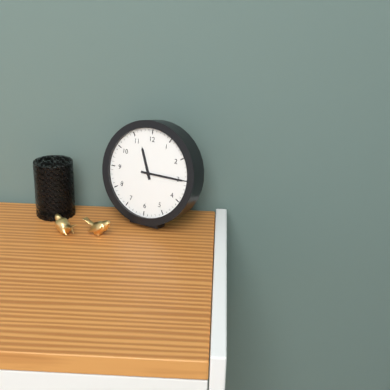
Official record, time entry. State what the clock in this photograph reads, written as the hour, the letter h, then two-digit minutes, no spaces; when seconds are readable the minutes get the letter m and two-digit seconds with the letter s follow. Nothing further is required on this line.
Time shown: 11h15
